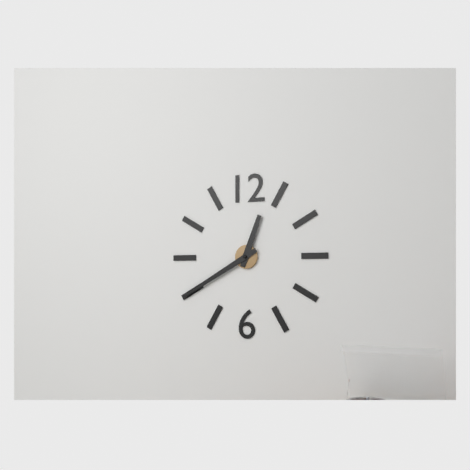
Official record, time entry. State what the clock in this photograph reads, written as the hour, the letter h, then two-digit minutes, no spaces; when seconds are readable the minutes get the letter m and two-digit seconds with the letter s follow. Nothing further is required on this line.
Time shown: 12h40
